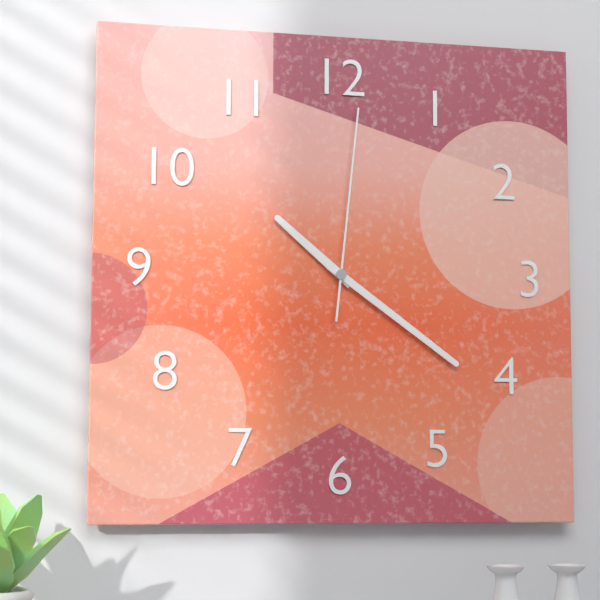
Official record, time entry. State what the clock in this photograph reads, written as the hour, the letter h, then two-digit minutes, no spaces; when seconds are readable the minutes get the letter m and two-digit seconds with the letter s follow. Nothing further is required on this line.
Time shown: 10h21m01s
